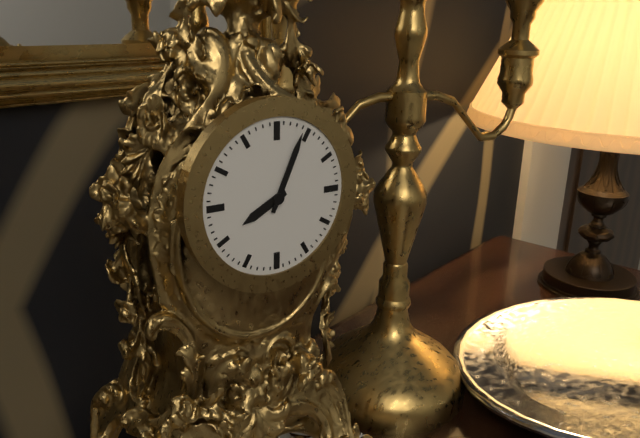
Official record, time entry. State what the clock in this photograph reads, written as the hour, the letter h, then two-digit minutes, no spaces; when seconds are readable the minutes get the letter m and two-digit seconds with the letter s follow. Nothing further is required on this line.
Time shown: 8h04
